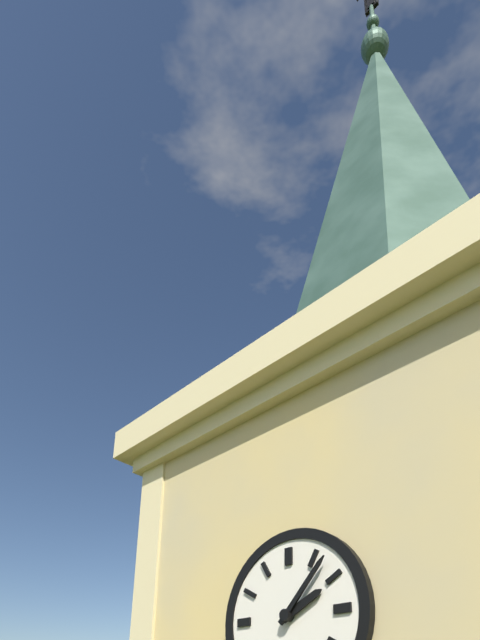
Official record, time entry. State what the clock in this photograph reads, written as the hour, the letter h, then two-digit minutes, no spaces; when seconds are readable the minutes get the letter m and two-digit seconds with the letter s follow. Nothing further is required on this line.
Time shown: 2h07
